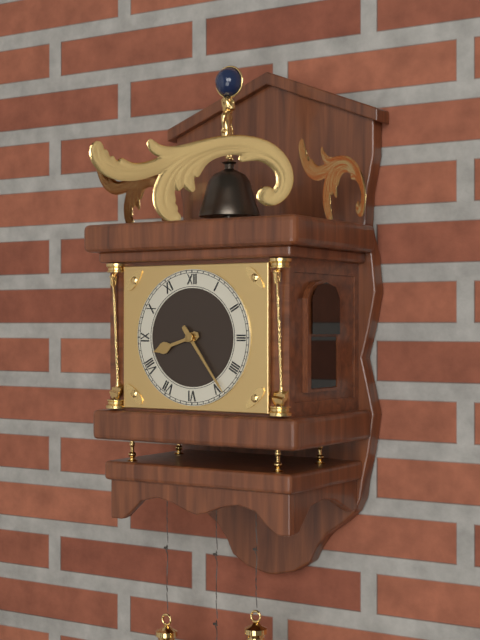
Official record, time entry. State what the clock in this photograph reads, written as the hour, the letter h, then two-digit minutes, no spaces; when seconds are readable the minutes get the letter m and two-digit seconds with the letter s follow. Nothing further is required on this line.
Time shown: 8h24
